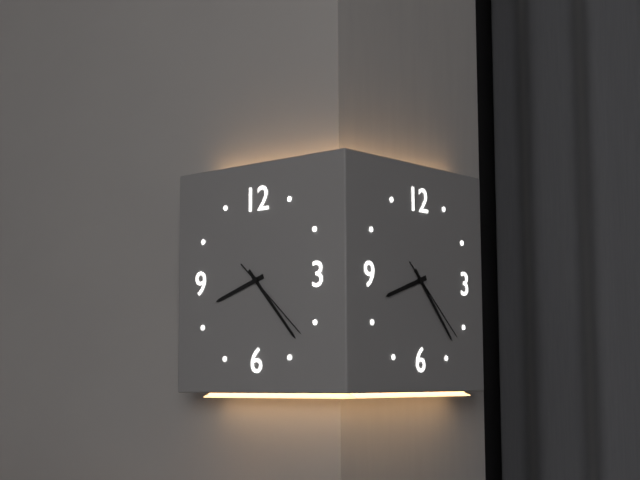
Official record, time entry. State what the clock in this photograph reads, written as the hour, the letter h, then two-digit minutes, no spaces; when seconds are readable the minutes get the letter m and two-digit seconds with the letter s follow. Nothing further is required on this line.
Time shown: 8h23m22s
